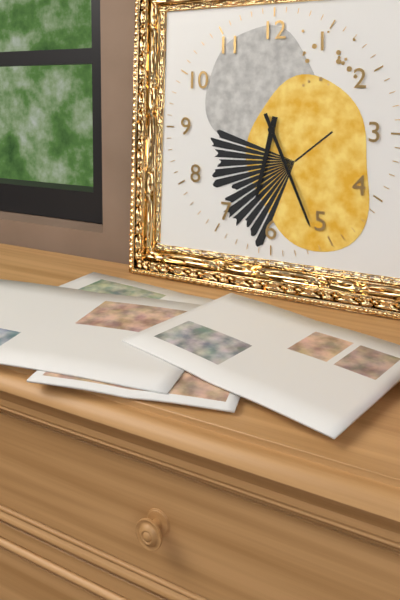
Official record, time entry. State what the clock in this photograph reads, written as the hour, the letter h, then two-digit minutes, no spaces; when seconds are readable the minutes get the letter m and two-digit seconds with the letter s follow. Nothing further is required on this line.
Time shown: 6h26
